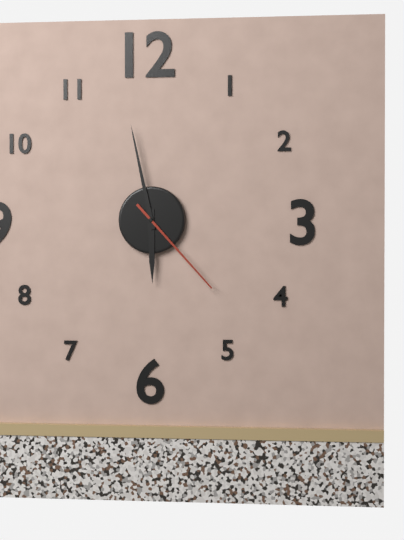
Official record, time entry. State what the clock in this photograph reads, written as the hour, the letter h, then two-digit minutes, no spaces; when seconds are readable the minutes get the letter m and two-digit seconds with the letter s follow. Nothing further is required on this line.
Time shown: 5h58m23s
